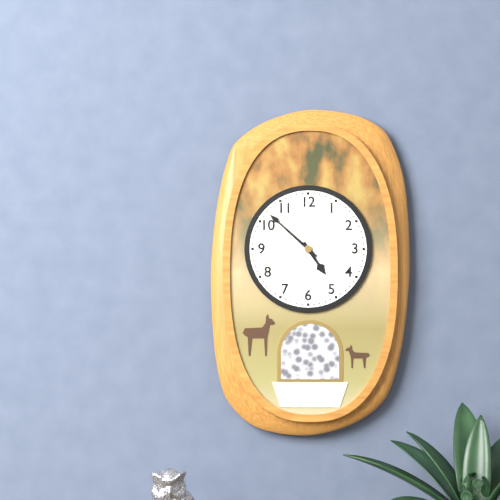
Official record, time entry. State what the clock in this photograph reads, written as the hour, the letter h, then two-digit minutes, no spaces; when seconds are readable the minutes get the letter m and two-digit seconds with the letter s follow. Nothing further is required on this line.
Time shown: 4h52
